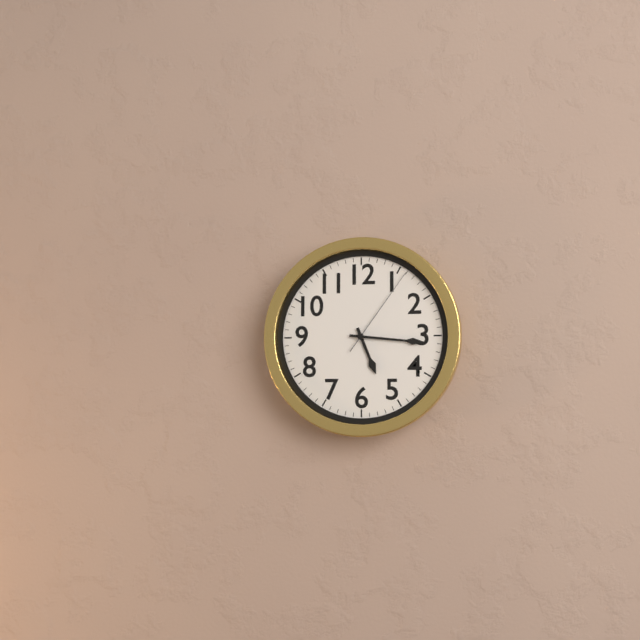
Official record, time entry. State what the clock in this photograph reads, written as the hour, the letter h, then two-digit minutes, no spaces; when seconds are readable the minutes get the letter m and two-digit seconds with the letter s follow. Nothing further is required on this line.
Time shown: 5h16m06s
